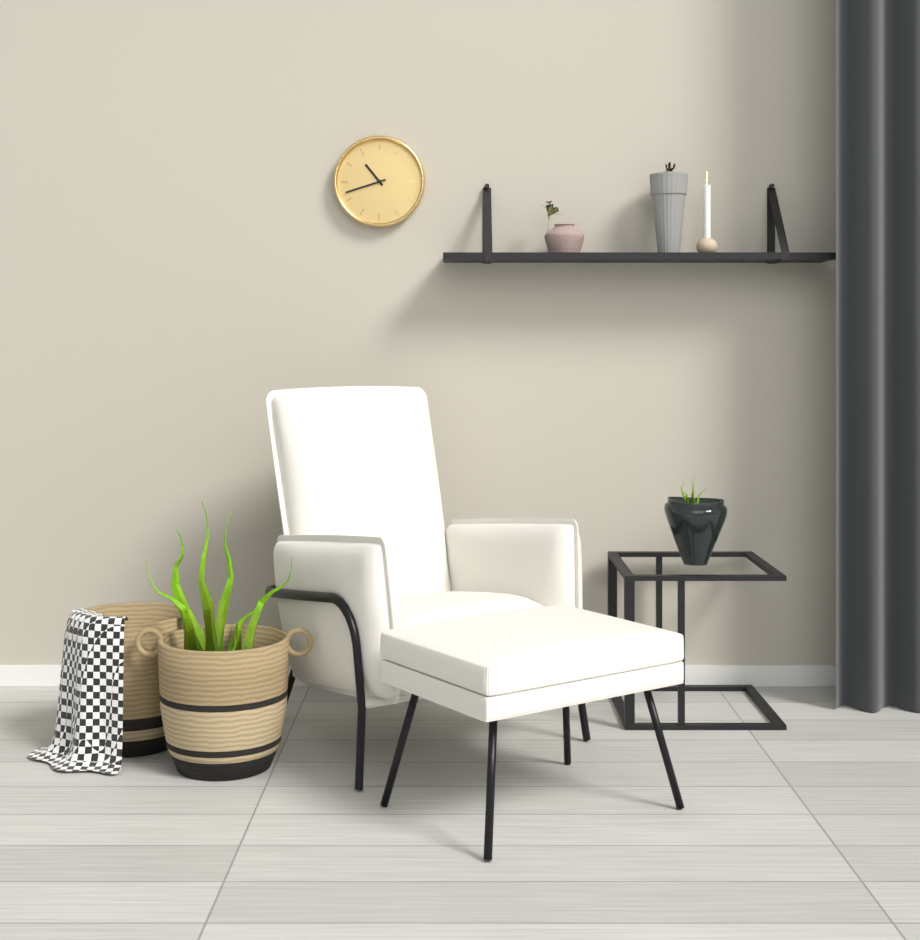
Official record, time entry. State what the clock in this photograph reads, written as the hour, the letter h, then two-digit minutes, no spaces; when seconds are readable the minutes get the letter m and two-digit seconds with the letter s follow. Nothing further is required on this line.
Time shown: 10h42
